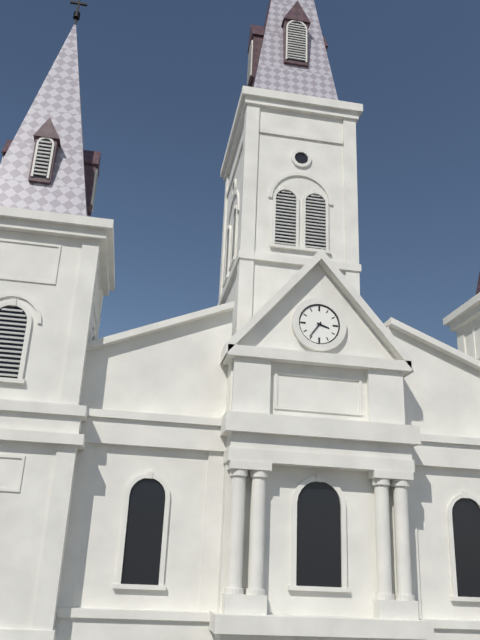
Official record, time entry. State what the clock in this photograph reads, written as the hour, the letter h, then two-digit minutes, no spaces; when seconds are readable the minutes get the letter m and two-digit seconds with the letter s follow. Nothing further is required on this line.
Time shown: 3h36
